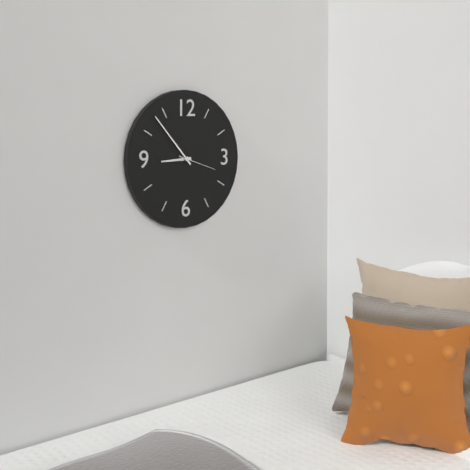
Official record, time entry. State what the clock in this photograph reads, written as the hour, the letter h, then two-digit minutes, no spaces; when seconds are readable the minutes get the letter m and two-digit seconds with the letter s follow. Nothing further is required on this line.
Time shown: 8h53
